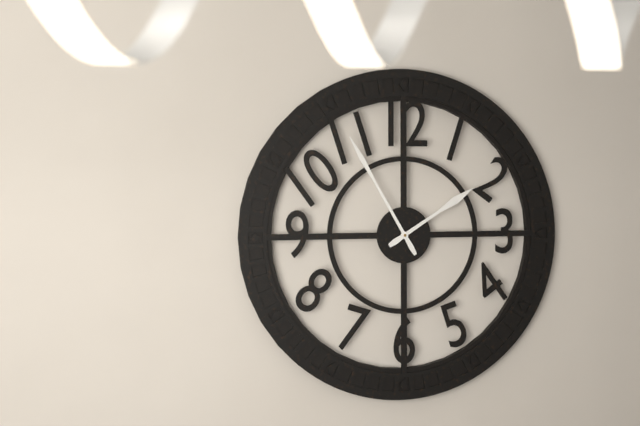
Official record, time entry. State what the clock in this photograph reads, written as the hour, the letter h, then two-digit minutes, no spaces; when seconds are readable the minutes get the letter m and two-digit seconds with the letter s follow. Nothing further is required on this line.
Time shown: 1h55
